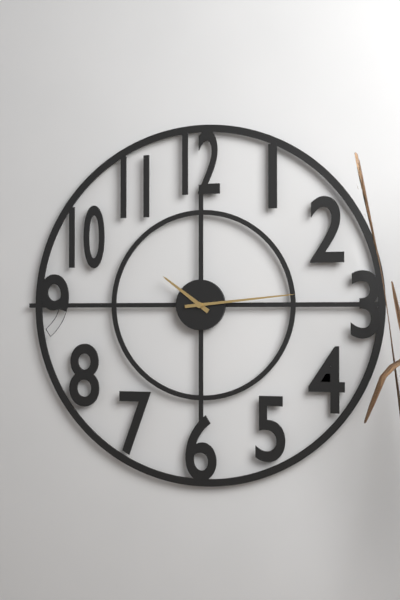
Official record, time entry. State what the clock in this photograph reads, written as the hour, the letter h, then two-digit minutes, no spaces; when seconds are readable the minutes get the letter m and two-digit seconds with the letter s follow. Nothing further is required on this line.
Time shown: 10h14
